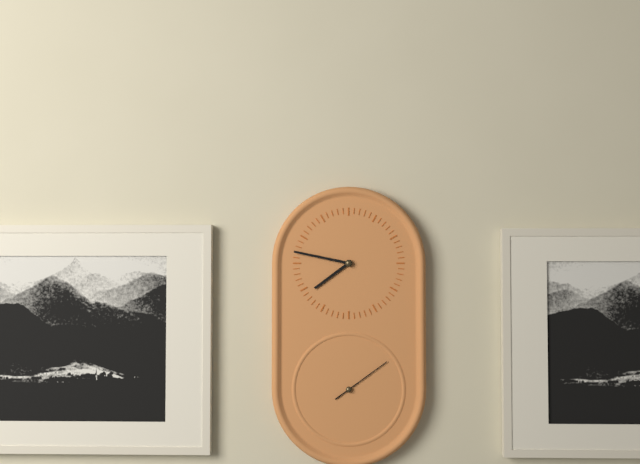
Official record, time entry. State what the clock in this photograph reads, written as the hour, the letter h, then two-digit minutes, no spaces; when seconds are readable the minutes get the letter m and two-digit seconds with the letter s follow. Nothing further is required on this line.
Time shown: 7h47m09s
